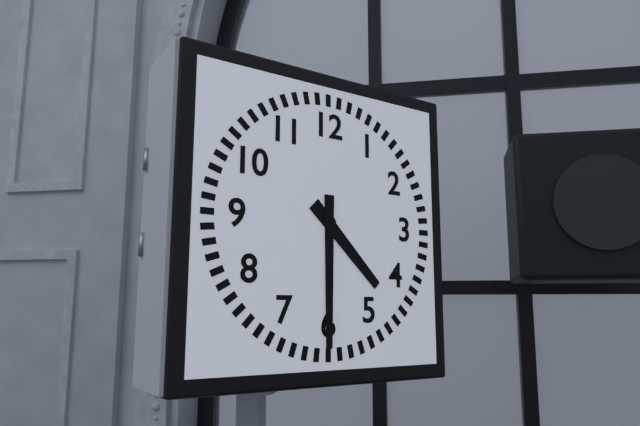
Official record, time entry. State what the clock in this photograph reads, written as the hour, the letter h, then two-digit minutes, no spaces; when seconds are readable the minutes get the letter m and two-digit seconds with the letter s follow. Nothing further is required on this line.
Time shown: 4h30
